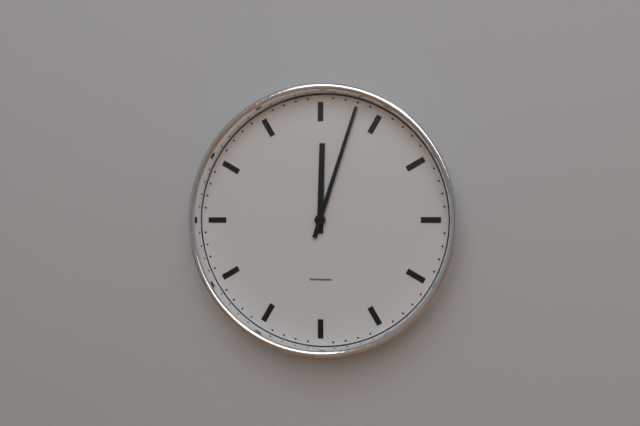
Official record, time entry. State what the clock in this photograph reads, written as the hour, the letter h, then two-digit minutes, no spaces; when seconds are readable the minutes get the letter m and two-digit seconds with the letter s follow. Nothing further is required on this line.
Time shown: 12h03
